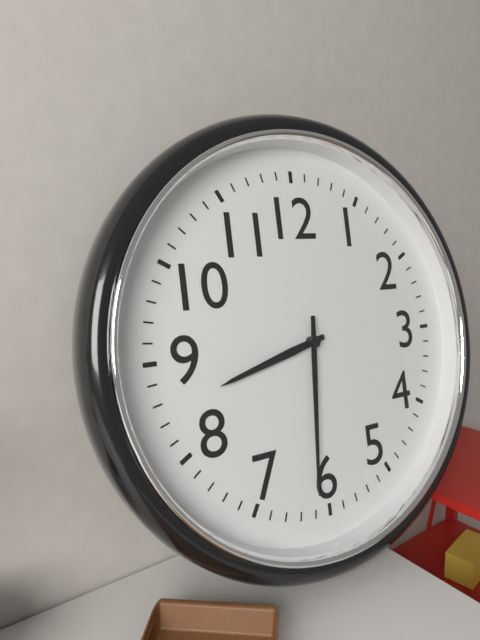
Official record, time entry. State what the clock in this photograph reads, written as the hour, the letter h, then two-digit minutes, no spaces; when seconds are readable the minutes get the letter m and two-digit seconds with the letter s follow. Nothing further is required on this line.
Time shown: 8h31
